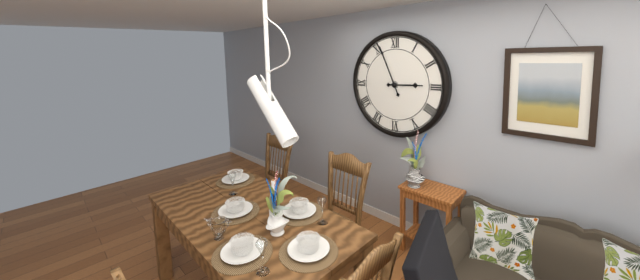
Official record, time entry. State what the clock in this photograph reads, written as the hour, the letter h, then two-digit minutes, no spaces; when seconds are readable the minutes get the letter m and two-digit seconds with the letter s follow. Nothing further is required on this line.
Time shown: 2h56
